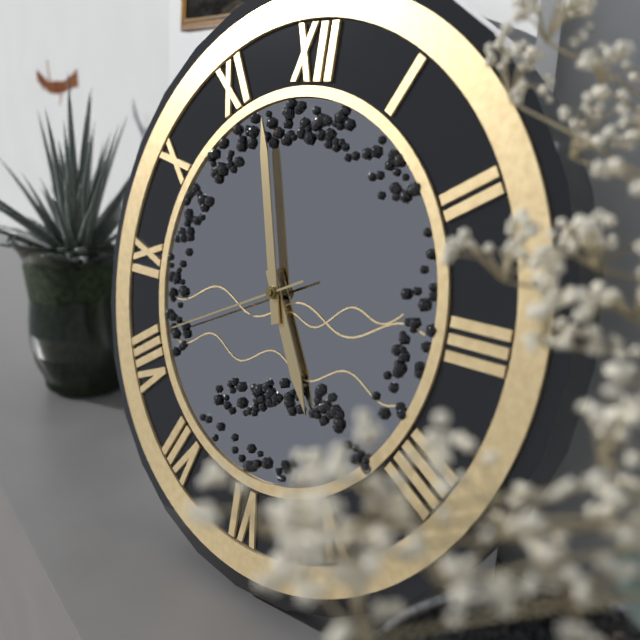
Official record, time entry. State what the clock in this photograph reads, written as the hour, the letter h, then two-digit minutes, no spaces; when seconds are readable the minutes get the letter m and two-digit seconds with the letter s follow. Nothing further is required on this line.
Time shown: 4h57m41s
